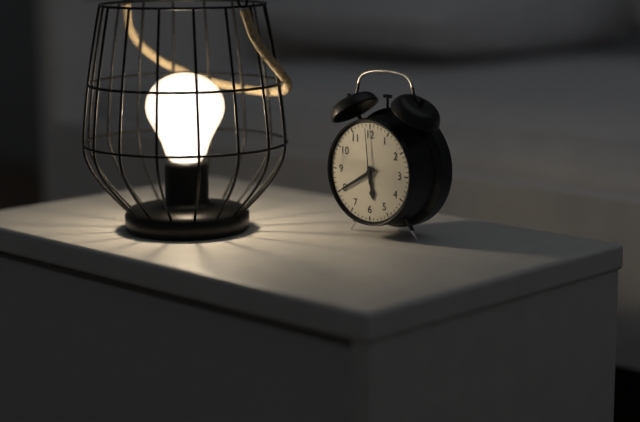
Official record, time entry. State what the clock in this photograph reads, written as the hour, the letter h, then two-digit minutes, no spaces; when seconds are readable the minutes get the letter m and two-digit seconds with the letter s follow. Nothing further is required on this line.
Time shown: 5h40m59s
